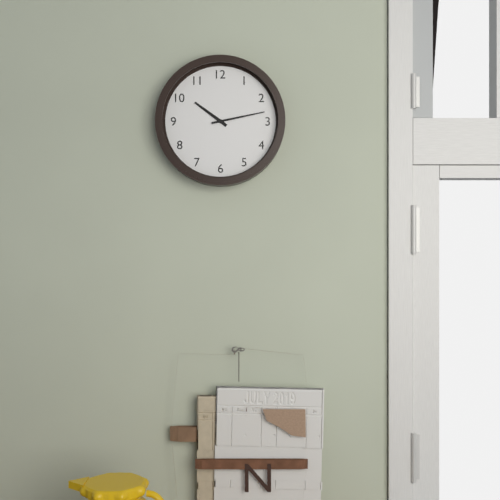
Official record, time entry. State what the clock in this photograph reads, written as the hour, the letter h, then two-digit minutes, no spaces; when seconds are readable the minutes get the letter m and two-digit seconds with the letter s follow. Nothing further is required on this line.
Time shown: 10h13
